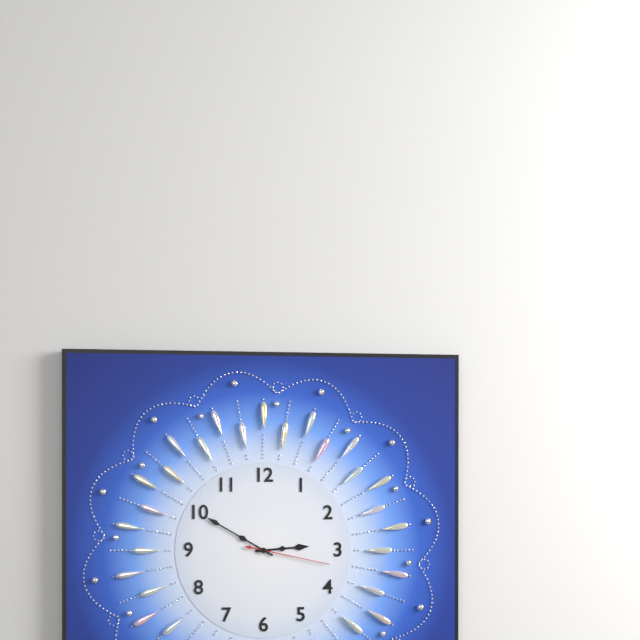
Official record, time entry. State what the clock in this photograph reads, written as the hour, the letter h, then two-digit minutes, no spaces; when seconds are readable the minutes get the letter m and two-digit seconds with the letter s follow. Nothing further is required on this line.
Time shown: 2h50m17s
